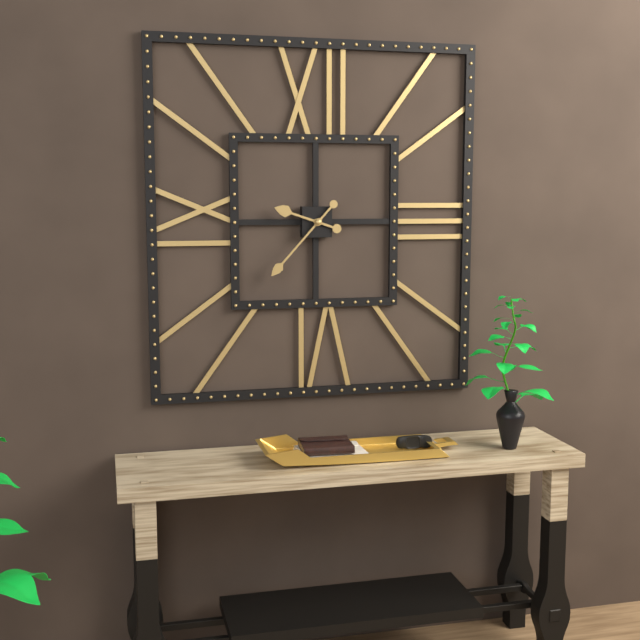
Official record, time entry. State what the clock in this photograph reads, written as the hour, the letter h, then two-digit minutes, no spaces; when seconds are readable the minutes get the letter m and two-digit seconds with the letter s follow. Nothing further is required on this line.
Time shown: 9h37
